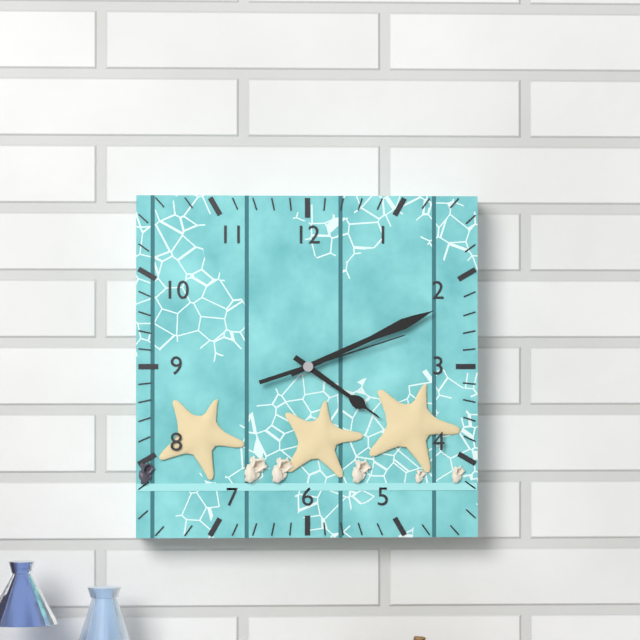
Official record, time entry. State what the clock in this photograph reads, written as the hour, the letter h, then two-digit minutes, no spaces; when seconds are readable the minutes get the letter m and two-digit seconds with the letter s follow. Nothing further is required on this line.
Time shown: 4h11m12s
